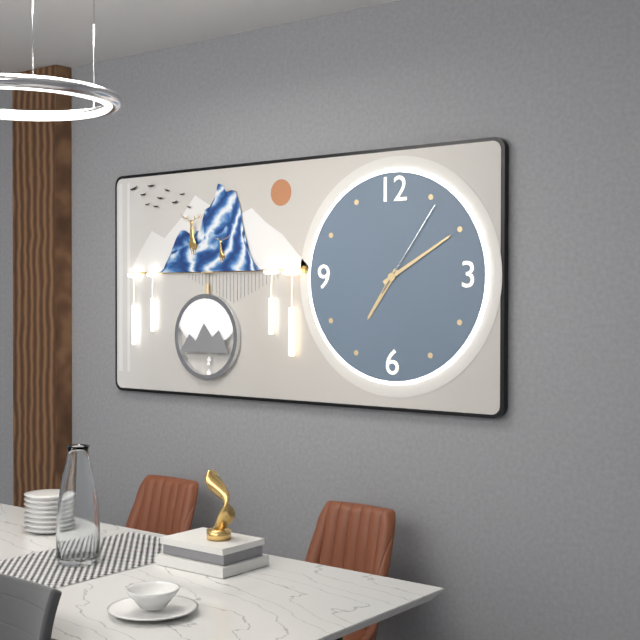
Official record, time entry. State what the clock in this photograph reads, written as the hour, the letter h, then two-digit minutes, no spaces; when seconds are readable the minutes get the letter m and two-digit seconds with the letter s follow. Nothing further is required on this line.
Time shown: 7h10m06s
